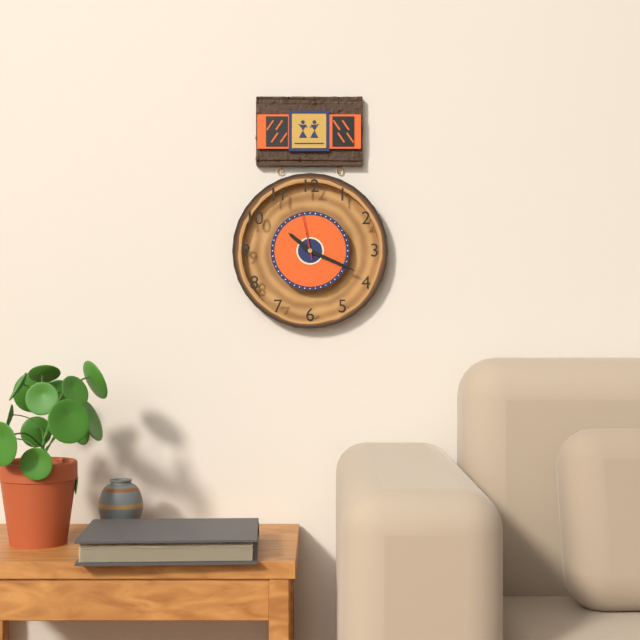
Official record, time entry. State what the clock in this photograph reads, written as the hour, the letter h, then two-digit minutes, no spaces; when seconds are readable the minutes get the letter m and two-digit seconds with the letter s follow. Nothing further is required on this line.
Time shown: 10h19
